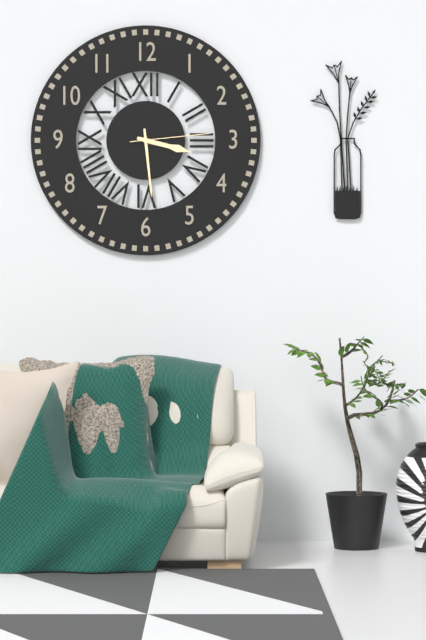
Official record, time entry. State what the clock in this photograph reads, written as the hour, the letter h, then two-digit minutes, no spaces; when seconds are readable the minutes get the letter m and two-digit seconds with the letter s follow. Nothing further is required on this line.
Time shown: 3h29m14s
